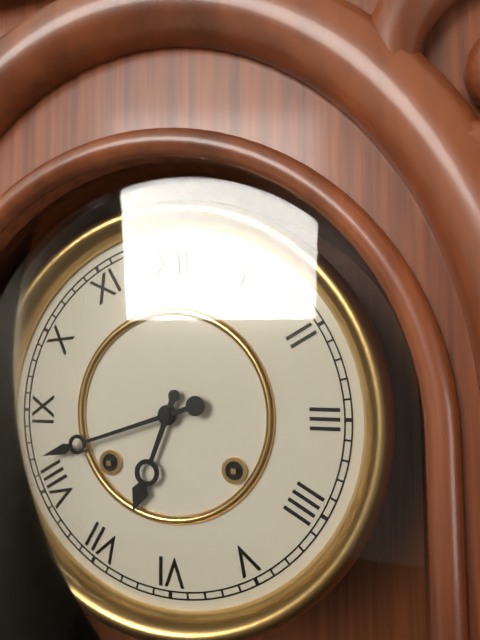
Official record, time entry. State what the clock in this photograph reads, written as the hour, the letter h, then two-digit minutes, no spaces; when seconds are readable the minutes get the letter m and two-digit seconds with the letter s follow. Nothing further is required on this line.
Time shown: 6h42
